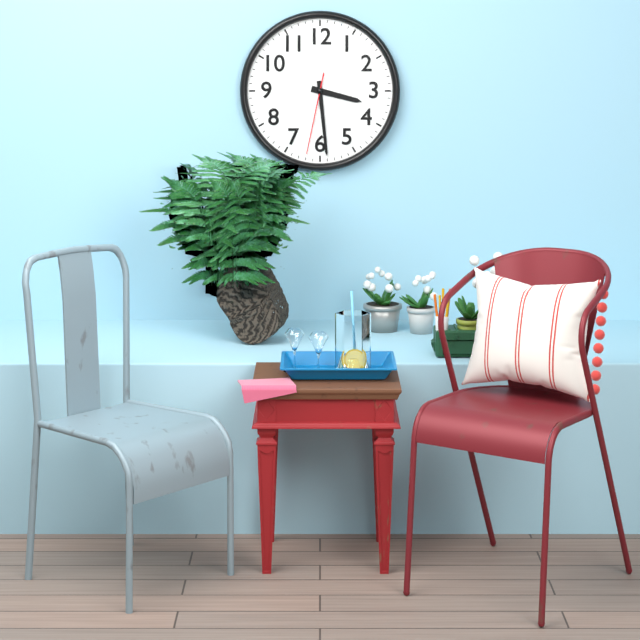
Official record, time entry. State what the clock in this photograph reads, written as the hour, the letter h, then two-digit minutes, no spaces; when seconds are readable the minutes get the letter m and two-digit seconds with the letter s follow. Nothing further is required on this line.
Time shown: 3h29m32s
